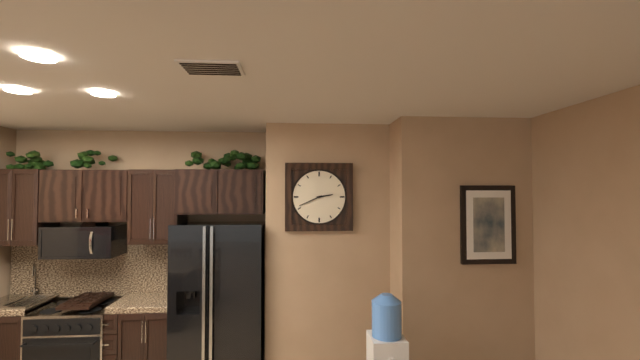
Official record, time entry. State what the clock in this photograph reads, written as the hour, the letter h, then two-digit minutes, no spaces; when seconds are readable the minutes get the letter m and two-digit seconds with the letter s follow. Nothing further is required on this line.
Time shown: 2h41
